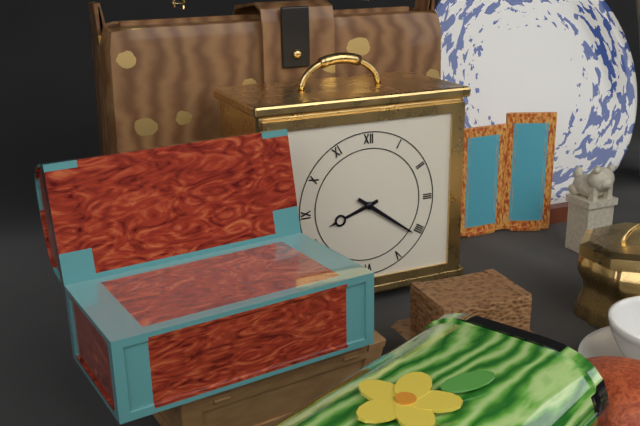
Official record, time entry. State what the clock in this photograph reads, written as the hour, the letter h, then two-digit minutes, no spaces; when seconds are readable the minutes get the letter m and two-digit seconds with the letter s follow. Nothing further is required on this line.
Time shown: 8h21
